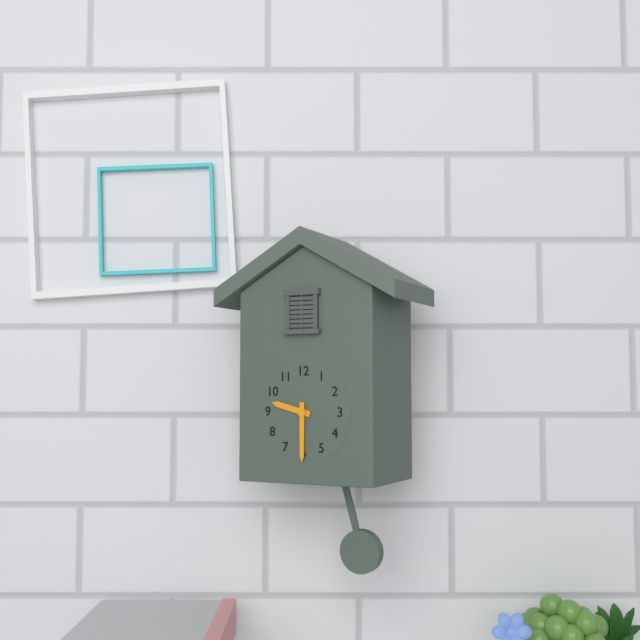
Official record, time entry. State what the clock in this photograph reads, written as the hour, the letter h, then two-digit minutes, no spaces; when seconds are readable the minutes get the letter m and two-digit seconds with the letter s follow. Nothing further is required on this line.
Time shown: 9h30
